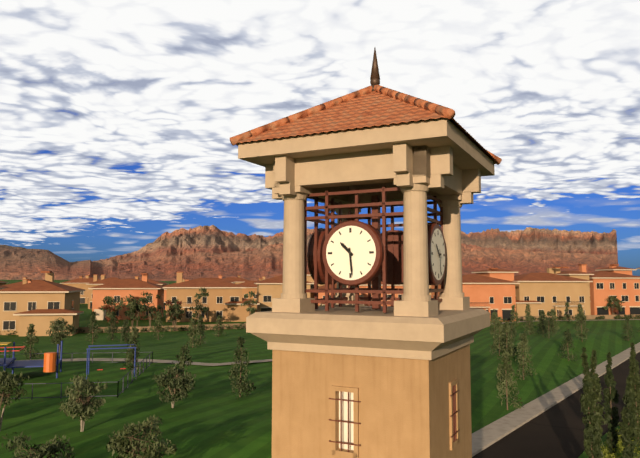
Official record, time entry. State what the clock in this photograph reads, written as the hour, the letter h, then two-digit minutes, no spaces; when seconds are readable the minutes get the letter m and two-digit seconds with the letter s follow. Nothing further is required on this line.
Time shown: 10h29
